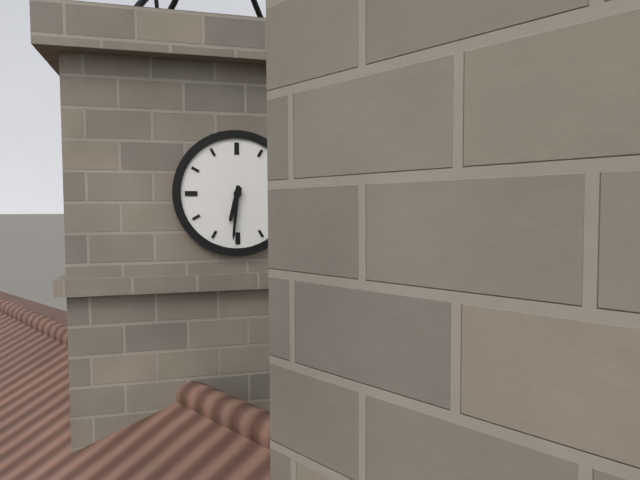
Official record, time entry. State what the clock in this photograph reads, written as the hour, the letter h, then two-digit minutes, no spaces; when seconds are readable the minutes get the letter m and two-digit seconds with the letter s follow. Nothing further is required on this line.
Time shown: 6h31
